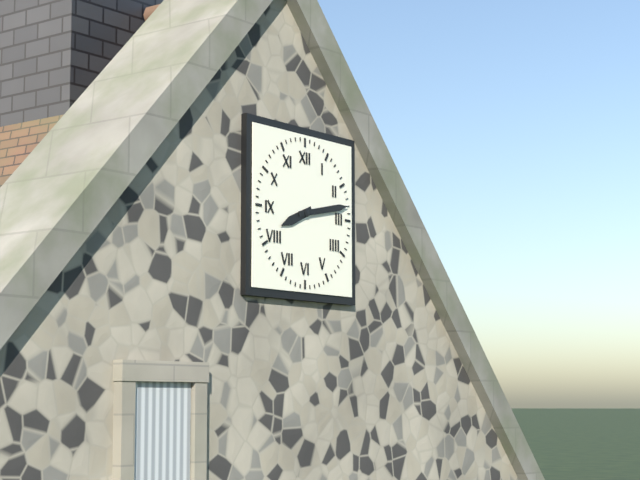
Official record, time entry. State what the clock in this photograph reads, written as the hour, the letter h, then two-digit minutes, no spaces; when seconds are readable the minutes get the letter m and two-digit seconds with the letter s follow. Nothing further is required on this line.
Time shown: 8h13
